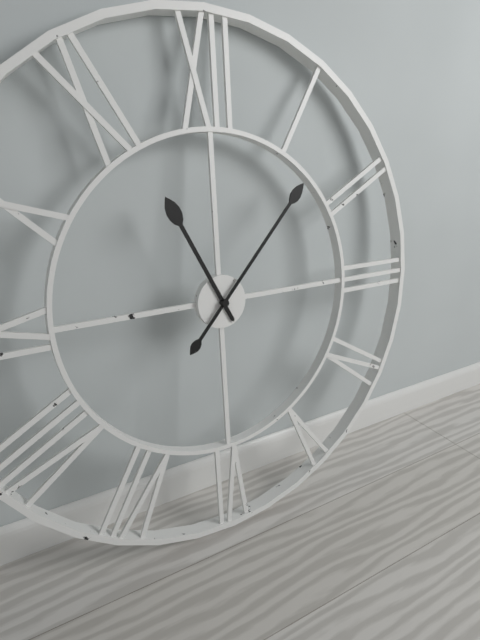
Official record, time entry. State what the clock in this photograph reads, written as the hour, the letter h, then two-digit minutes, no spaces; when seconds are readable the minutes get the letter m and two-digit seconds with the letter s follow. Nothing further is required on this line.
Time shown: 11h07
